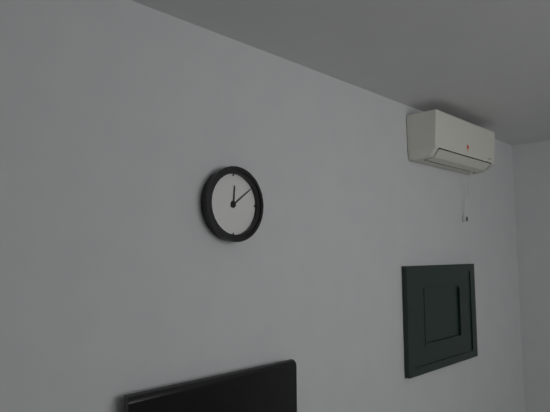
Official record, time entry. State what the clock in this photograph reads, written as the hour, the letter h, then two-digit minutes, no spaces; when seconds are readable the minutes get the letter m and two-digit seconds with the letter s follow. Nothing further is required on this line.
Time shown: 12h09
